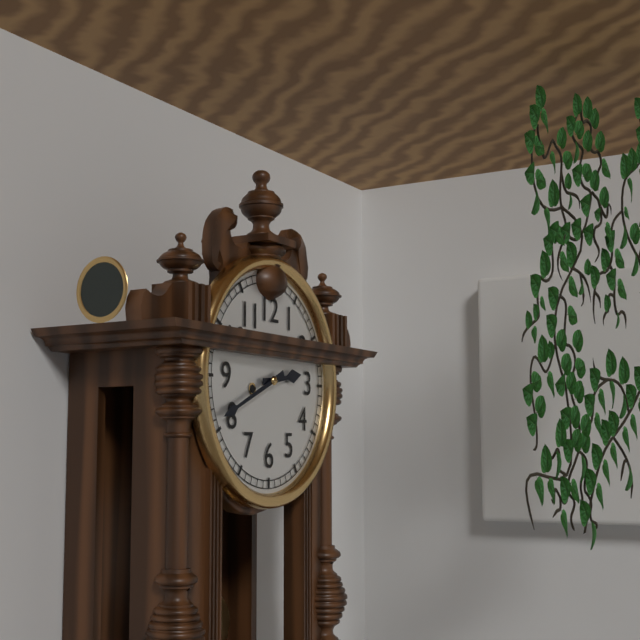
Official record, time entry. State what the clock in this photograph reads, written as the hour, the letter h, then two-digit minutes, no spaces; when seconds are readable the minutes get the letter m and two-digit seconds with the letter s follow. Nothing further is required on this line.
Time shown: 2h41
